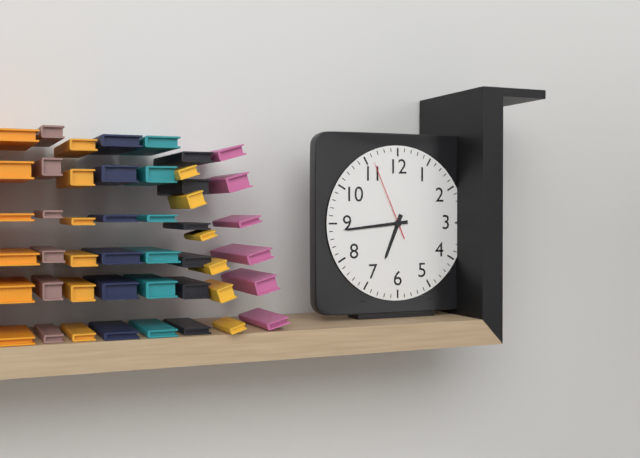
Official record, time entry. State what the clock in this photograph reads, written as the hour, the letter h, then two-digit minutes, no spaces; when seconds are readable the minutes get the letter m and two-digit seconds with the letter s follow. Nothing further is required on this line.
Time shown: 6h44m56s
